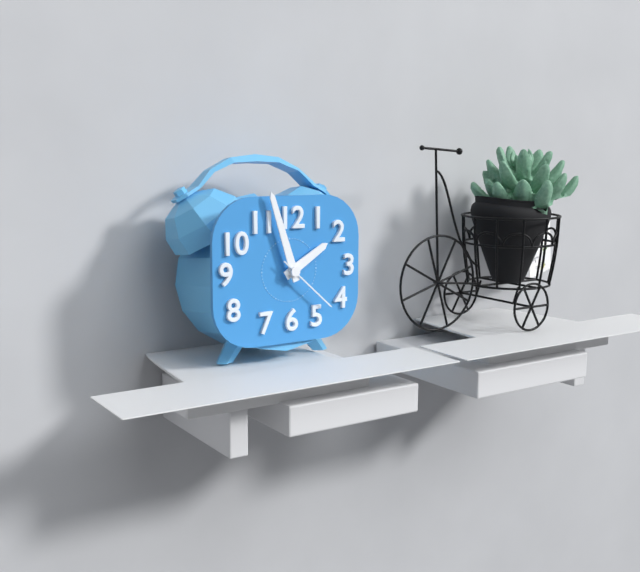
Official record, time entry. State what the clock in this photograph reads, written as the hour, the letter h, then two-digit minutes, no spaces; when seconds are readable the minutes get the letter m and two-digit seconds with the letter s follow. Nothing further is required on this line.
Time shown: 1h57m22s
